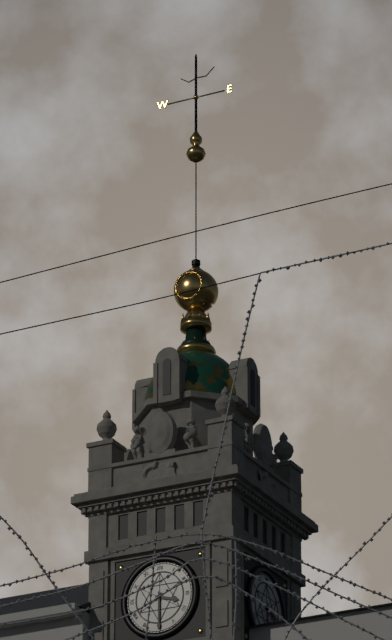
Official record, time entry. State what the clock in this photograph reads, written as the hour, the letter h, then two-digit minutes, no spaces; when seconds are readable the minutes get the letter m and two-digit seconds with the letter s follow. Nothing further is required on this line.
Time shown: 3h30
